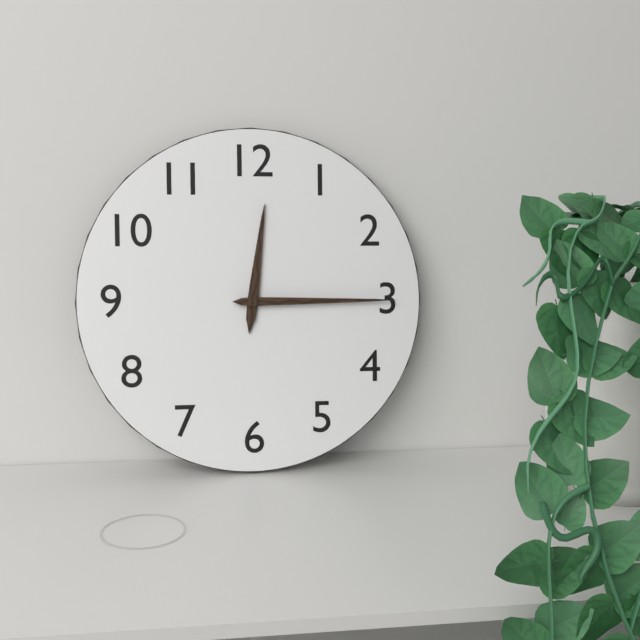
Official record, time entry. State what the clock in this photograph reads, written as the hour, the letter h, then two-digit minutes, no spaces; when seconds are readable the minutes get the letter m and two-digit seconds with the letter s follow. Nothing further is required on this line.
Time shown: 12h15
